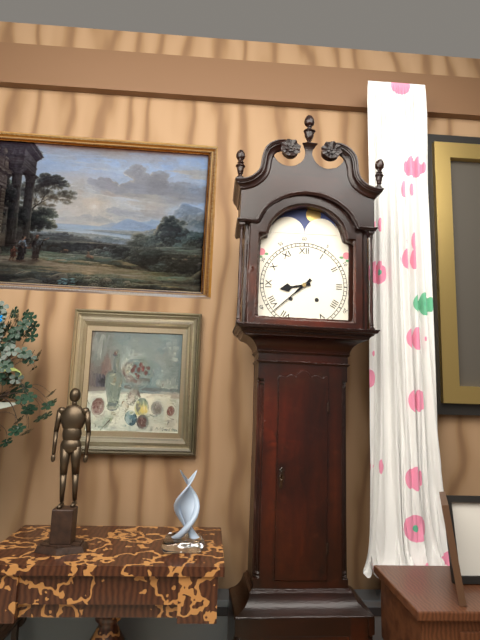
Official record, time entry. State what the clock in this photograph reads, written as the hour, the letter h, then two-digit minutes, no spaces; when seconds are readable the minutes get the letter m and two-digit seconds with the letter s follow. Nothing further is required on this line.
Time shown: 8h38
